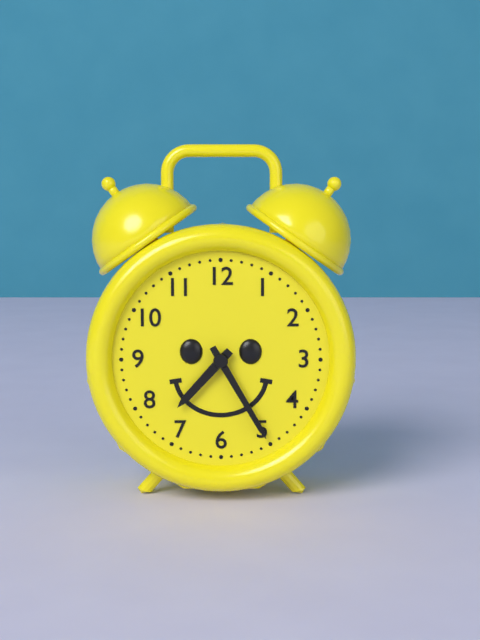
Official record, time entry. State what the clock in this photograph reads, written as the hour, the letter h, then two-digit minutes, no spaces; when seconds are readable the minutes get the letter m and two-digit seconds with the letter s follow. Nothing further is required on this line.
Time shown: 7h25
